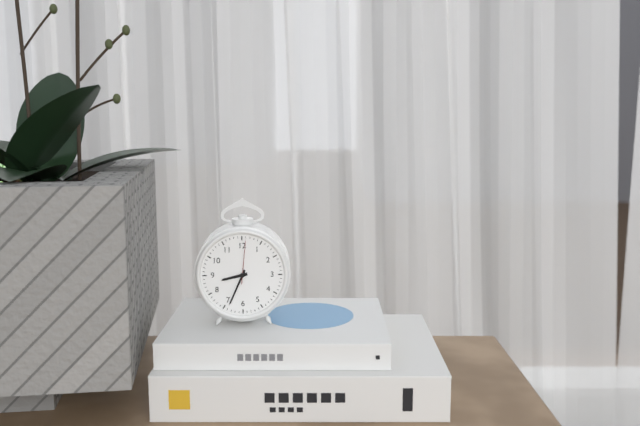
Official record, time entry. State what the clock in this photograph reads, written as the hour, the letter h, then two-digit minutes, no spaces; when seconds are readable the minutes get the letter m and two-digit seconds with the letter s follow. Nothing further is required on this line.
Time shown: 8h34
